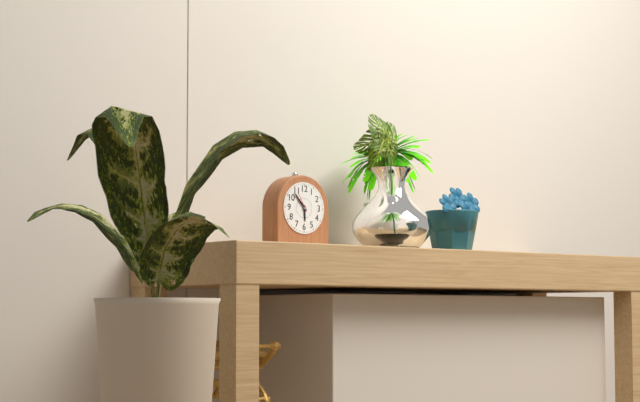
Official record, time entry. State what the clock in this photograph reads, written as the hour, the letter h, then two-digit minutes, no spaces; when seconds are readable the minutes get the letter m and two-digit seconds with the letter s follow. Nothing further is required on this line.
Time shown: 5h53
